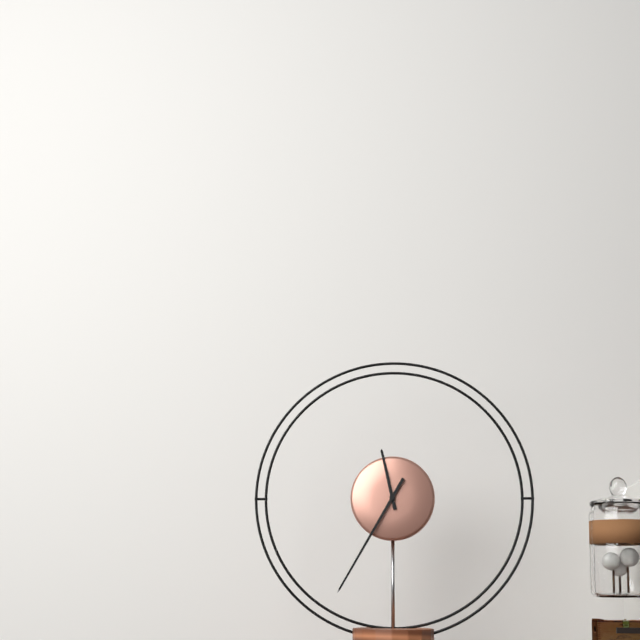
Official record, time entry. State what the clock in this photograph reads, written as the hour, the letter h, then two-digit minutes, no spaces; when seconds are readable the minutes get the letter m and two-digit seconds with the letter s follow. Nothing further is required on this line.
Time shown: 11h35
